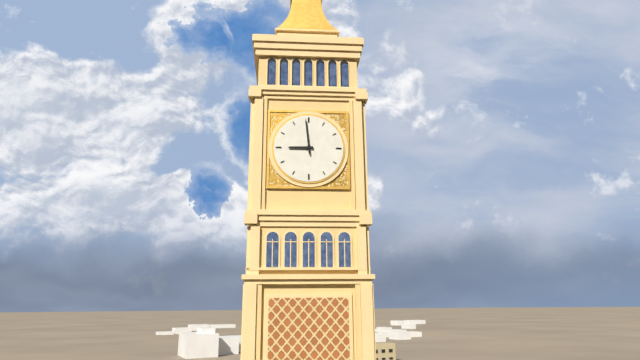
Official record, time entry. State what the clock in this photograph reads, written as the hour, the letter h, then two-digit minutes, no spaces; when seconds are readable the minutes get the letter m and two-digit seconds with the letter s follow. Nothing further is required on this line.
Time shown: 8h59
